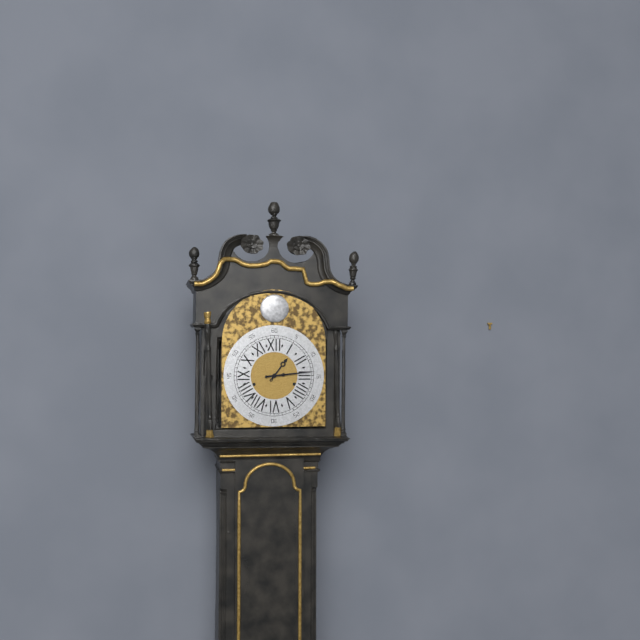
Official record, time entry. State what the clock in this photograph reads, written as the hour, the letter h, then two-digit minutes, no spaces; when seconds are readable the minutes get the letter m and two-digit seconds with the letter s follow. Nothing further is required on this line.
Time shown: 1h14
